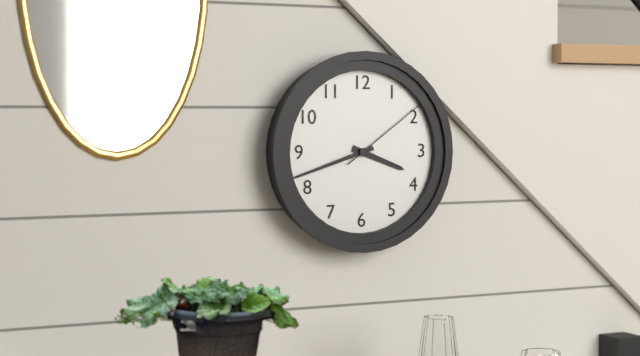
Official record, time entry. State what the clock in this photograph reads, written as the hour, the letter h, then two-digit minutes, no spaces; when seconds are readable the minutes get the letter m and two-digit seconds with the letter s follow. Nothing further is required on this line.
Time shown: 3h42m09s
